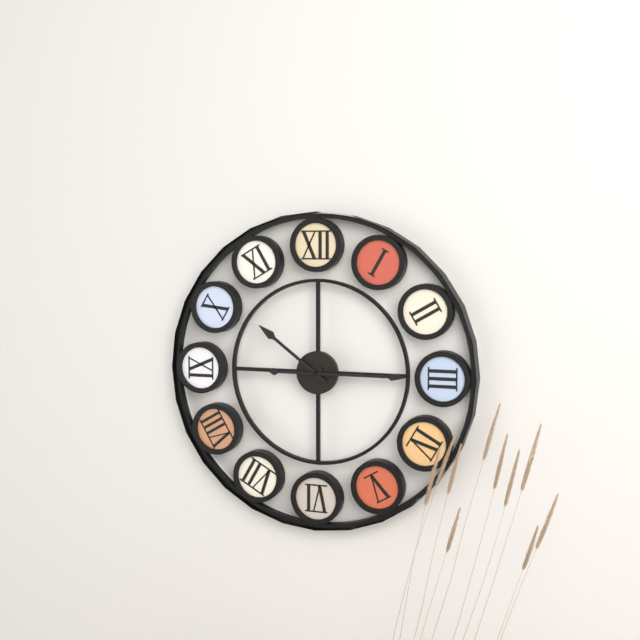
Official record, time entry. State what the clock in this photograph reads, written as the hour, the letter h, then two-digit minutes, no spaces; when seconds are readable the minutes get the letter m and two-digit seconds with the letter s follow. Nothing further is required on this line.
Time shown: 10h15
